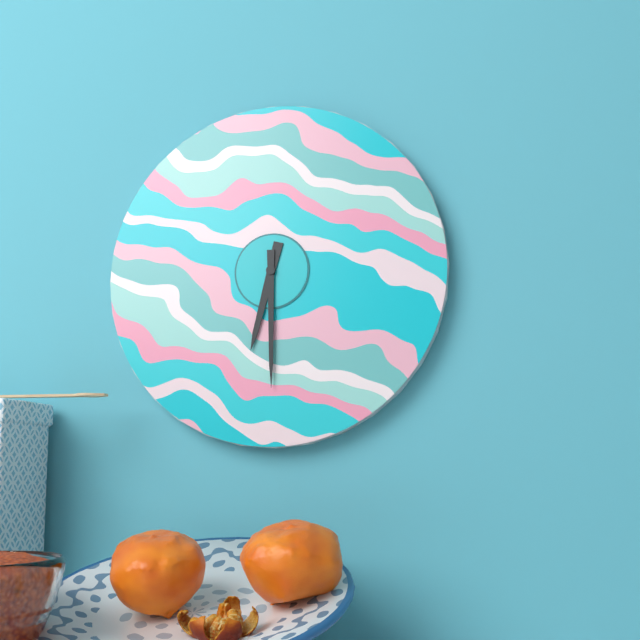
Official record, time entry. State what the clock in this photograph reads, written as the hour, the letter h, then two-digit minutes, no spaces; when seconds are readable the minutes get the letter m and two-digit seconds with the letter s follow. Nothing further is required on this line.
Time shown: 6h30
